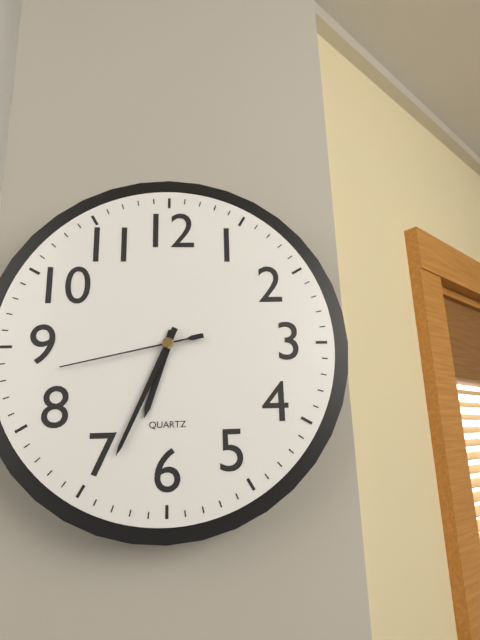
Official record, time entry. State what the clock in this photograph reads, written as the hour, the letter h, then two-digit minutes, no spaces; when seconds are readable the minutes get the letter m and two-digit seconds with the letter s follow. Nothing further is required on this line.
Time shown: 6h34m43s
